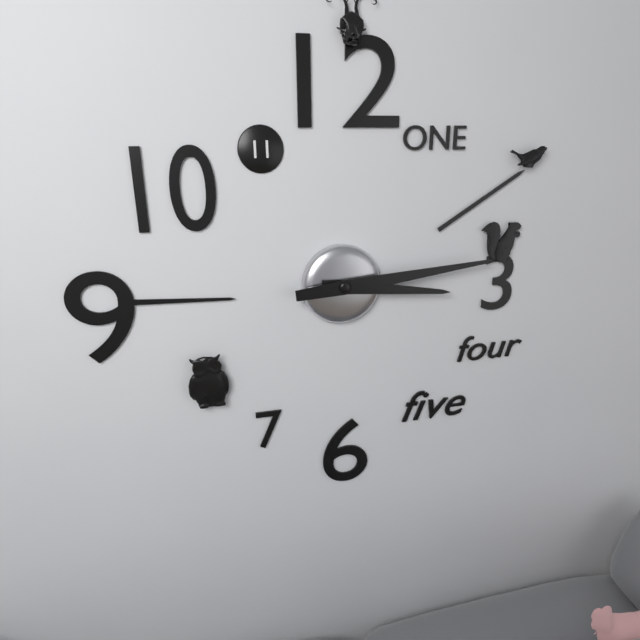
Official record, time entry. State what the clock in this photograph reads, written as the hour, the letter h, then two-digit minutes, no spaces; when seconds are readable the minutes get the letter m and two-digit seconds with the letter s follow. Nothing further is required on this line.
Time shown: 3h14
